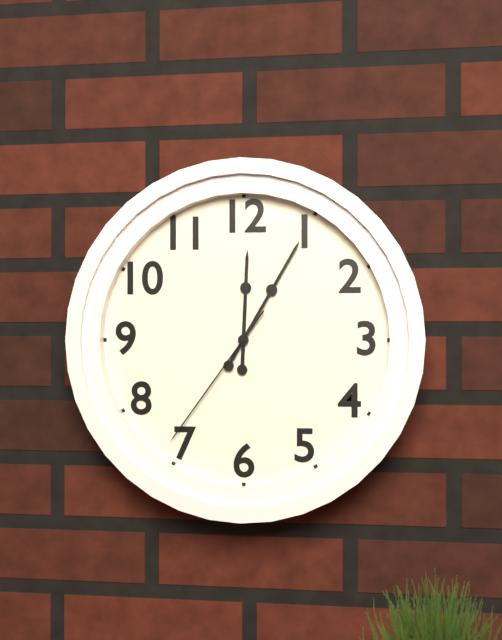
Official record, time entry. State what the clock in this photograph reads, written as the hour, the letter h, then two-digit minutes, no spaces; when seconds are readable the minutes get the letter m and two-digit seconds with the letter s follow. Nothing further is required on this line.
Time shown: 12h05m36s
